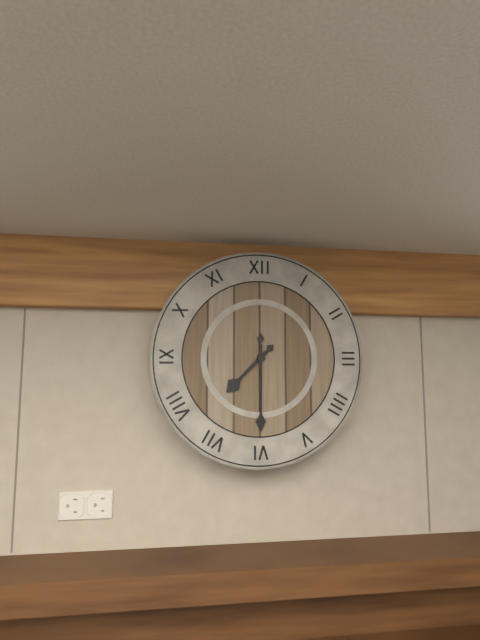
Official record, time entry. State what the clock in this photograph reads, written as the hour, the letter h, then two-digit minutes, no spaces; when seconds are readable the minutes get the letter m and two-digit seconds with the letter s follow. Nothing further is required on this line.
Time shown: 7h30
